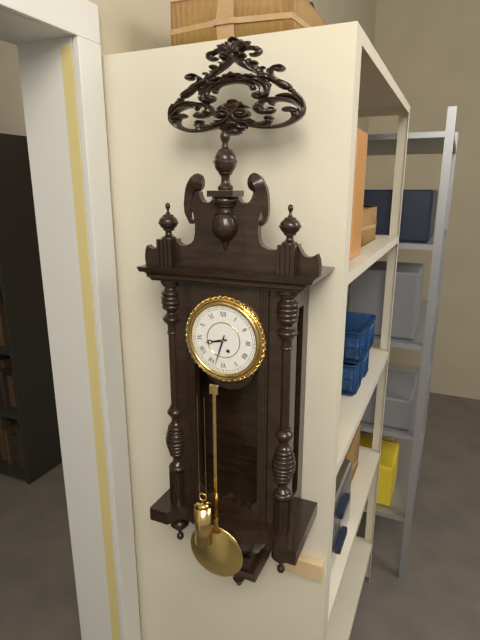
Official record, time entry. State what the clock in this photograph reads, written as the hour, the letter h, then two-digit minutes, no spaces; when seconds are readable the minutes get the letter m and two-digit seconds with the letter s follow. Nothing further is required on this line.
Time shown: 8h33
